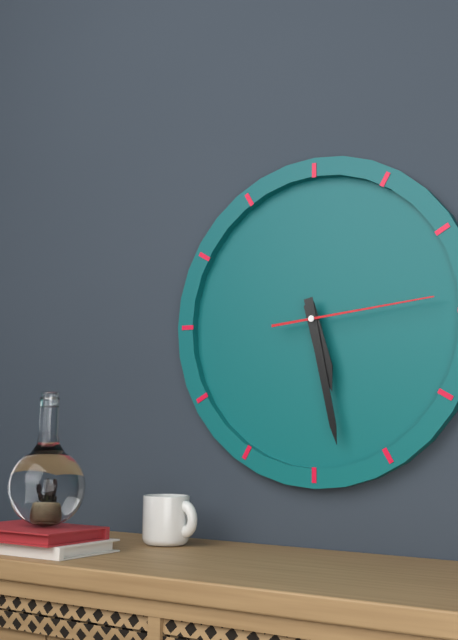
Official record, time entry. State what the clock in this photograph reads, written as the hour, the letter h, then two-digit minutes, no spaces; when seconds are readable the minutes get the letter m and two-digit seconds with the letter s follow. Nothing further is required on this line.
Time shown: 5h28m14s
